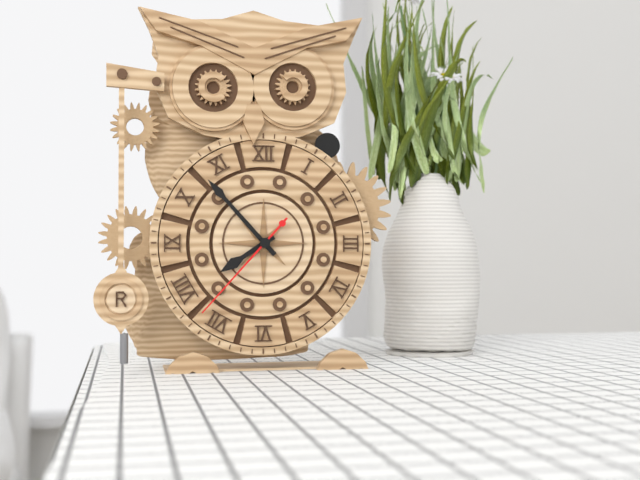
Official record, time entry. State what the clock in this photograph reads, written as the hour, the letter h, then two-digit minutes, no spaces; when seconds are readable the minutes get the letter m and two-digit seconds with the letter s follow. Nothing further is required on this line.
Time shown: 7h53m37s
